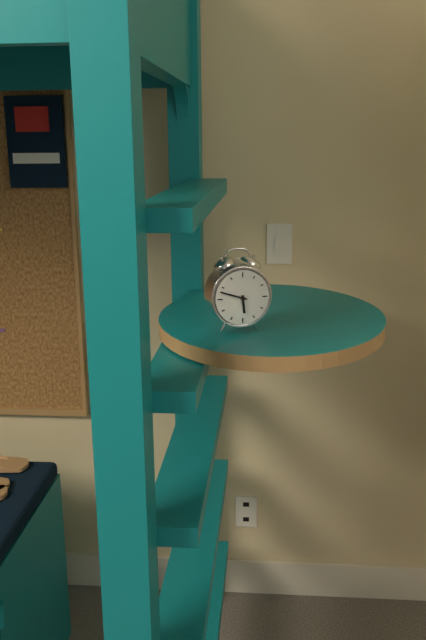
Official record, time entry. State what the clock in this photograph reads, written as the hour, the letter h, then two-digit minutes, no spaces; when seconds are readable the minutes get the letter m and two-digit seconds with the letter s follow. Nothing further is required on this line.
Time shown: 5h48
